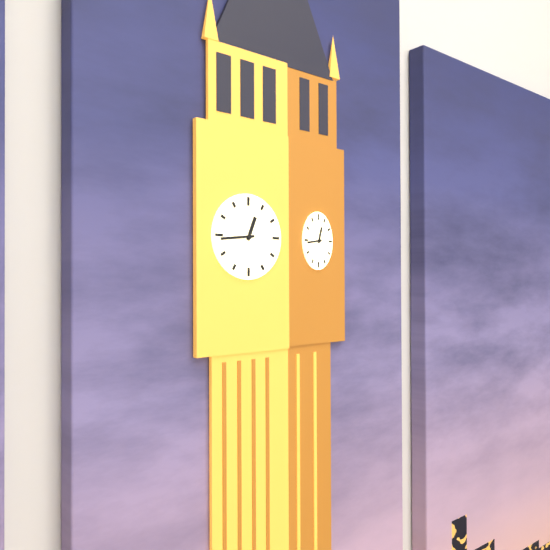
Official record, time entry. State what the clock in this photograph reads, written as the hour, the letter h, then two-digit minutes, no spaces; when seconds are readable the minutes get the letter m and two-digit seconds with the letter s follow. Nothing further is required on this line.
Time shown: 12h44
